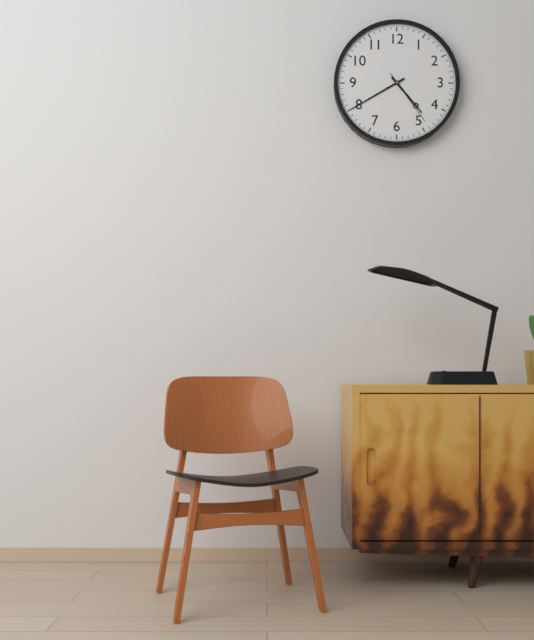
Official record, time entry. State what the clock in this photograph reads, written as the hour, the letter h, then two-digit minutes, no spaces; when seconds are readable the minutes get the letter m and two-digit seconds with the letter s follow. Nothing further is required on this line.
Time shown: 4h40m24s
